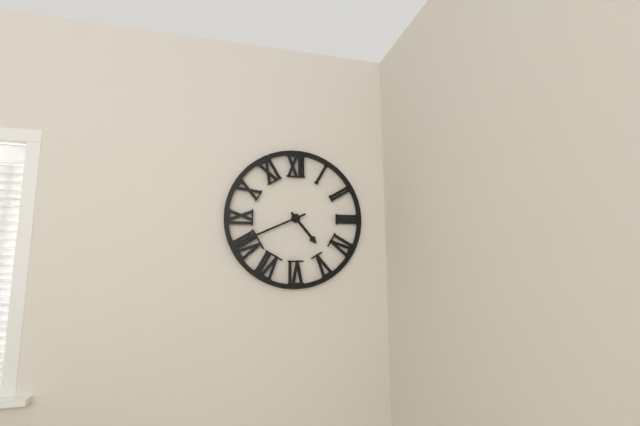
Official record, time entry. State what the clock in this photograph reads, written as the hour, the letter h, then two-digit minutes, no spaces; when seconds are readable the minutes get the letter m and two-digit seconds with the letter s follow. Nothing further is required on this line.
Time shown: 4h41
